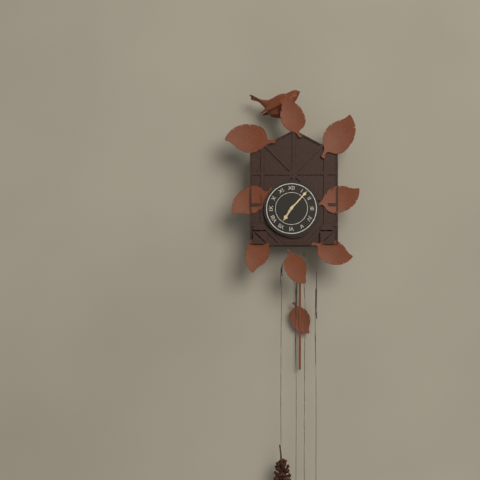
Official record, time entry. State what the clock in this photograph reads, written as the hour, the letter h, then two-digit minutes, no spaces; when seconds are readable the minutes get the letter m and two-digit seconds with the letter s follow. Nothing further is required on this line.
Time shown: 7h07
